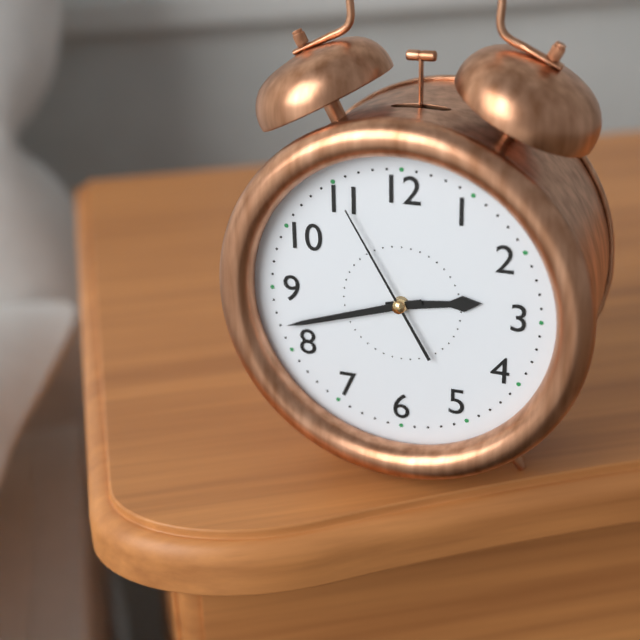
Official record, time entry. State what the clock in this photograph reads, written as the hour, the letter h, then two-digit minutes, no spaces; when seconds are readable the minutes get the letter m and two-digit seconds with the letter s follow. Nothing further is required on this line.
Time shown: 2h42m55s
